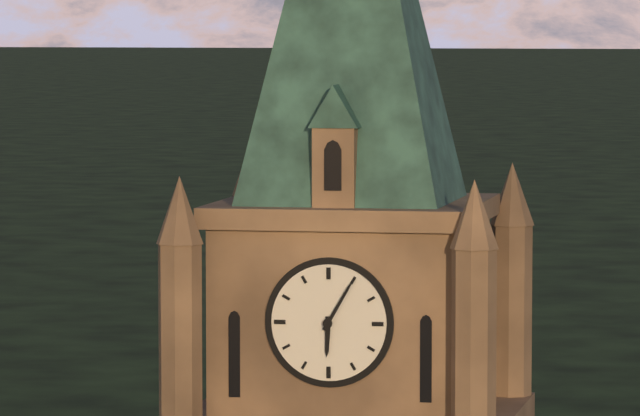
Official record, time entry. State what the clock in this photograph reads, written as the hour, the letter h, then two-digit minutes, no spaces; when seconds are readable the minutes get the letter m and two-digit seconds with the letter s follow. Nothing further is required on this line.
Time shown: 6h05
